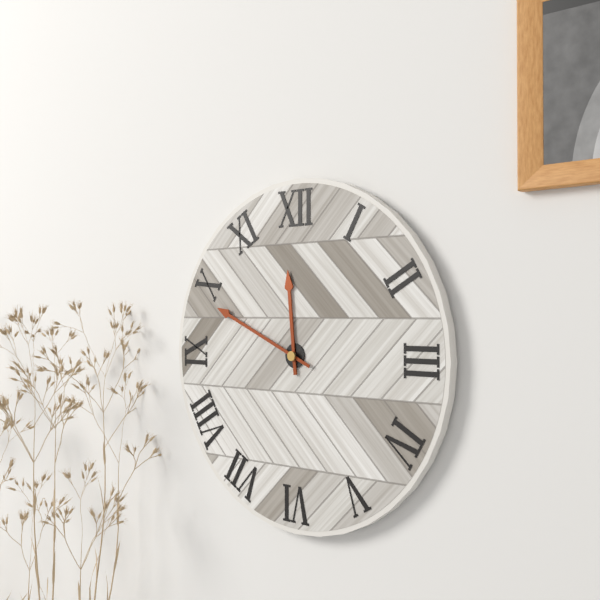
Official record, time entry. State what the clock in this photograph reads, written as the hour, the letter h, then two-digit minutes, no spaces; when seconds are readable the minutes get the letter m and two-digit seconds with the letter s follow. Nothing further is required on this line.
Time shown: 11h49
